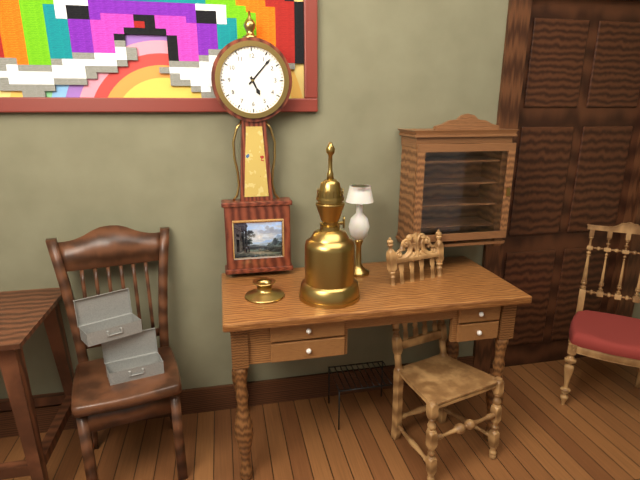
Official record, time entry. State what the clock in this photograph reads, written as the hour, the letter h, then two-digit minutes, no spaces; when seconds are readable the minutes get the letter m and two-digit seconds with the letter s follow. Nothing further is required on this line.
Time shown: 5h07
